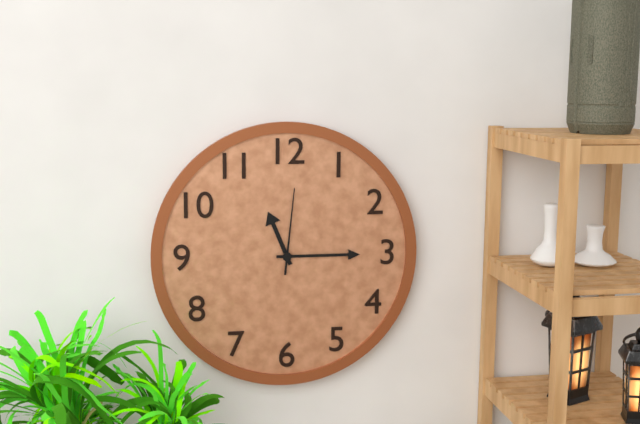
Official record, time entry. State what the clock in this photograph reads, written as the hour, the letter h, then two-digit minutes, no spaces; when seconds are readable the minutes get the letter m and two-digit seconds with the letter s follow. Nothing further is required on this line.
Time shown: 11h15m01s
